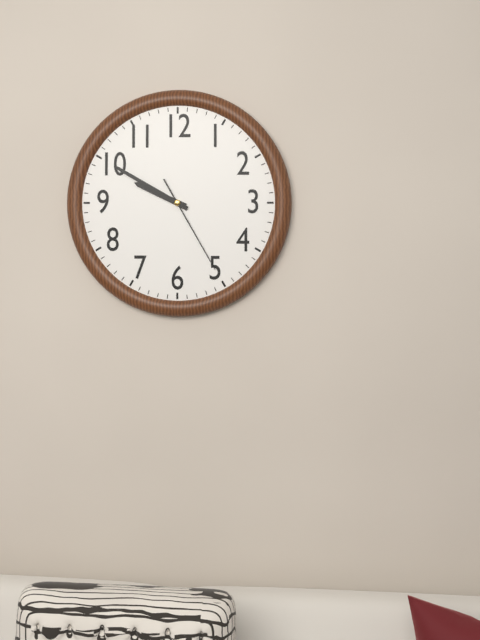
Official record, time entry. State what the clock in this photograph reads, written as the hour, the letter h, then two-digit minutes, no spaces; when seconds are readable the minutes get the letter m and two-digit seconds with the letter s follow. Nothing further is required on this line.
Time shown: 9h50m25s
